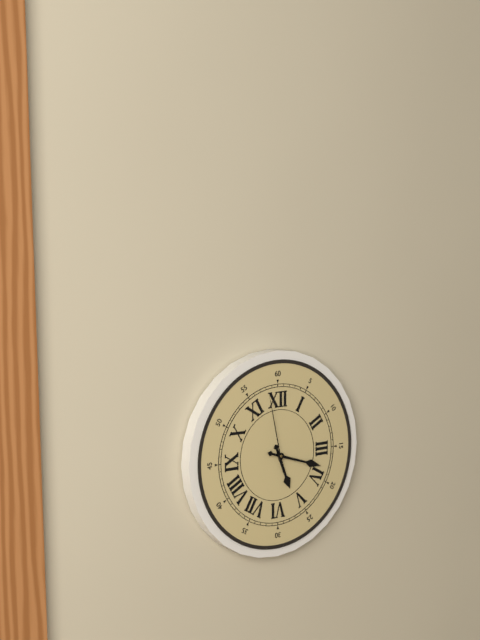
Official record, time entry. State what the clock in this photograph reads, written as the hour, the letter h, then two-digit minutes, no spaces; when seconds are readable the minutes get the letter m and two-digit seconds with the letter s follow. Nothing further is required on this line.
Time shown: 5h18m58s
